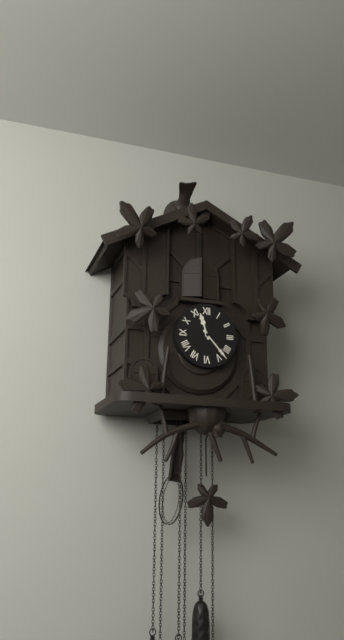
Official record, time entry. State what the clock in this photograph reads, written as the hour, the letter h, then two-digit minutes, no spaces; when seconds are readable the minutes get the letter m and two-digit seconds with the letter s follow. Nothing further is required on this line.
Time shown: 11h23
